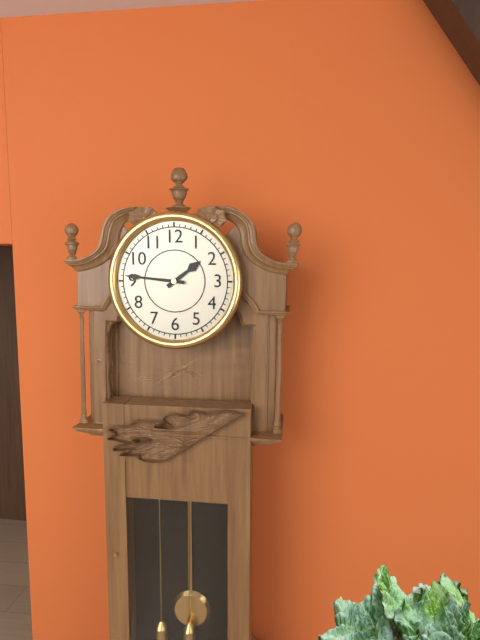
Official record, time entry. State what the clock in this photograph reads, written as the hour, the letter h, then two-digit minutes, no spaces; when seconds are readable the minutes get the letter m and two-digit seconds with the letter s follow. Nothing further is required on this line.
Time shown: 1h46
